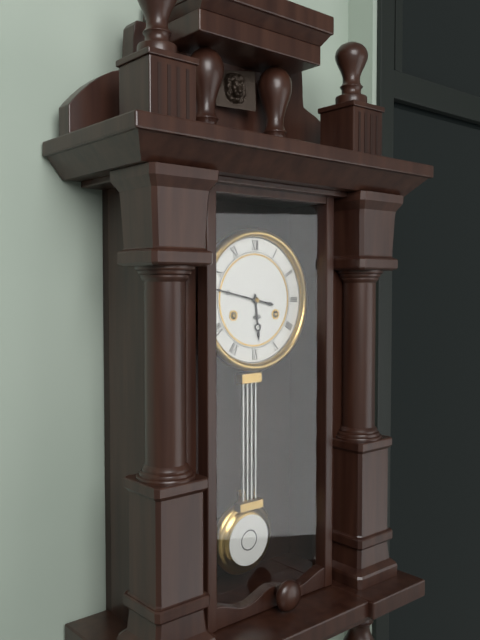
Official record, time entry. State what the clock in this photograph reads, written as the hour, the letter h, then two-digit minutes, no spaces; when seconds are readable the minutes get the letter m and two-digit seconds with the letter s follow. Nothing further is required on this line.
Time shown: 5h47
